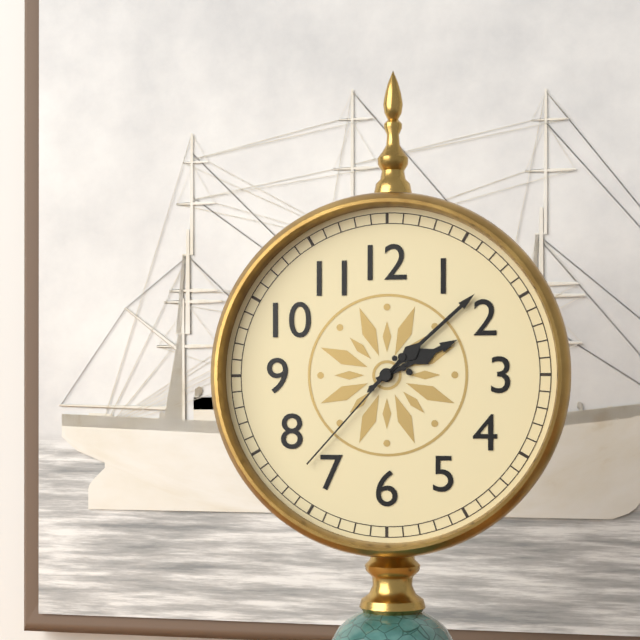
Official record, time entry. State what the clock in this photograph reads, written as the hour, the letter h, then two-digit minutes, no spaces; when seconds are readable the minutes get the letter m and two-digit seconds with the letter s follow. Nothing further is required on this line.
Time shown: 2h08m37s
